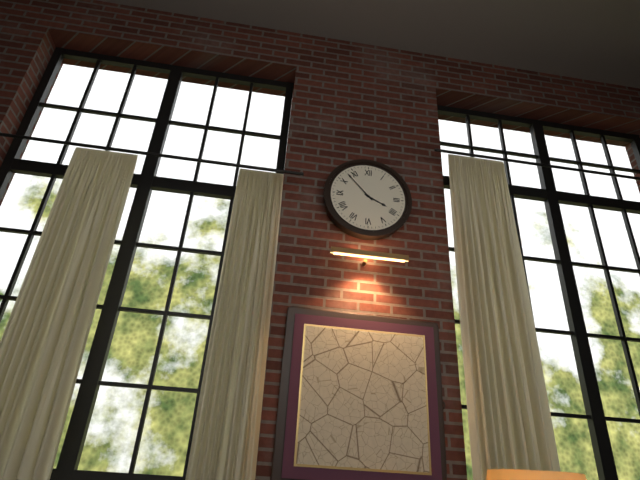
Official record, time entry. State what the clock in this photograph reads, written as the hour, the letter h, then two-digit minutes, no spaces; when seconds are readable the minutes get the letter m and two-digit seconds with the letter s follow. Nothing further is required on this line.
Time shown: 3h53
